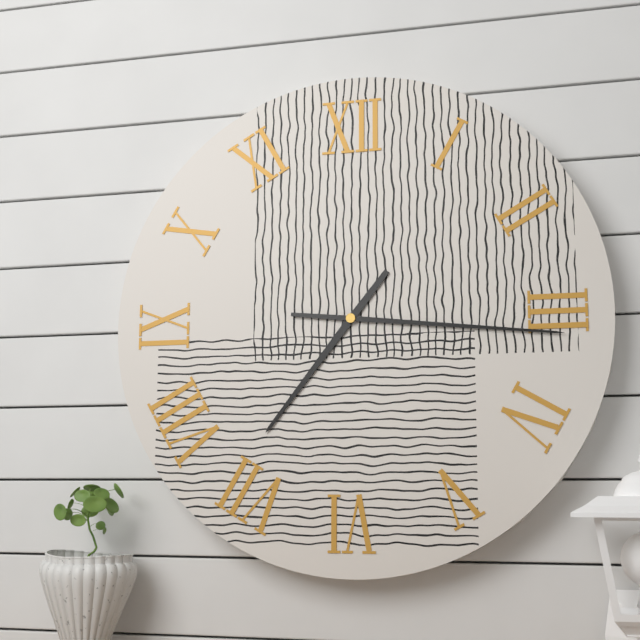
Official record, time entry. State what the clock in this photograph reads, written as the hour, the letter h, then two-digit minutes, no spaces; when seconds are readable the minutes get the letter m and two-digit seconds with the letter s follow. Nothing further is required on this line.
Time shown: 7h16
